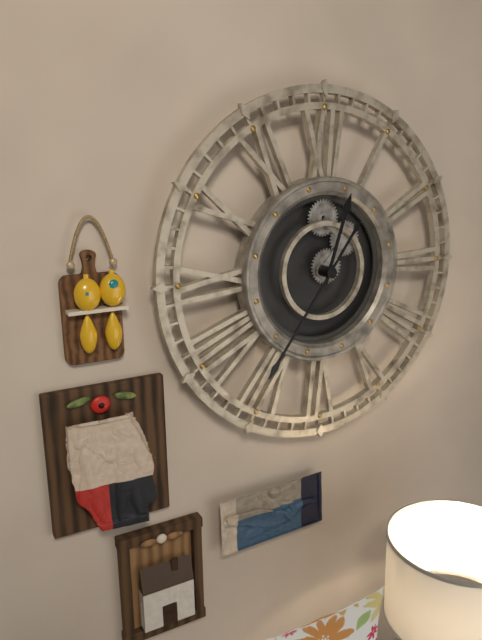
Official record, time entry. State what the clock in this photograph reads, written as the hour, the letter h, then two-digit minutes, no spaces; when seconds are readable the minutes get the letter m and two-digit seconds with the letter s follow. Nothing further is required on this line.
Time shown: 12h36
